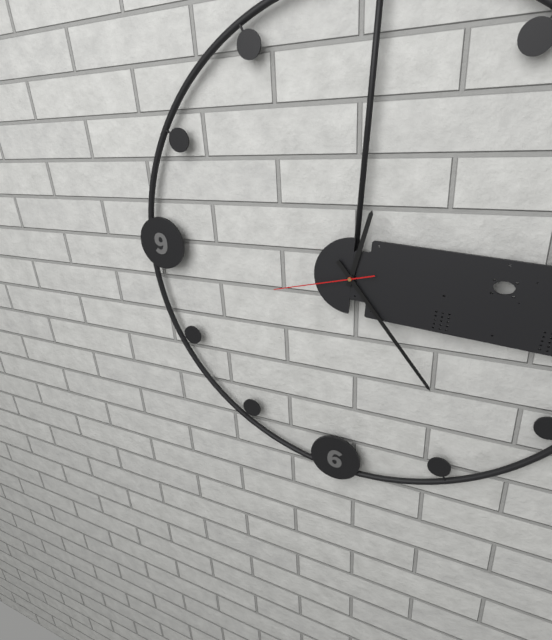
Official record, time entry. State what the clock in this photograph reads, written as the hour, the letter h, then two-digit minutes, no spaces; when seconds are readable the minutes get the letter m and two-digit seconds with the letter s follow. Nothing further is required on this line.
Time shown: 12h23m42s
